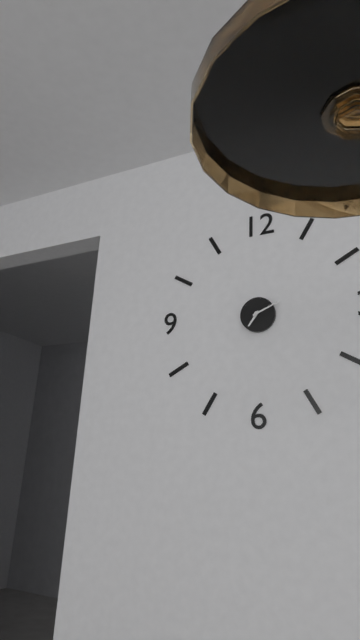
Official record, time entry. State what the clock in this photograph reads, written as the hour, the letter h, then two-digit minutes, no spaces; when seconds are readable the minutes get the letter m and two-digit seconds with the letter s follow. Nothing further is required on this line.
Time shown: 7h11
